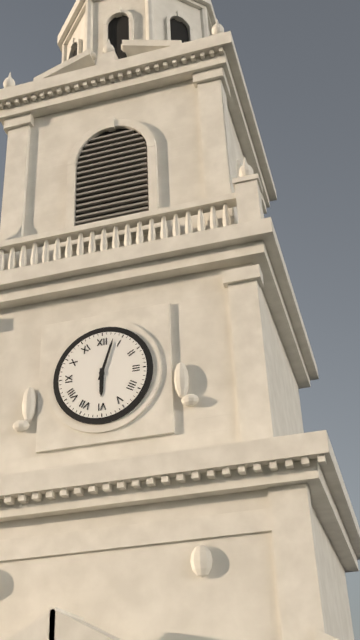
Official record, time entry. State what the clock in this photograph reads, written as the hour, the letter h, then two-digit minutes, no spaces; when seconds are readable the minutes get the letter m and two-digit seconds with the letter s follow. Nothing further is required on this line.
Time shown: 6h03
